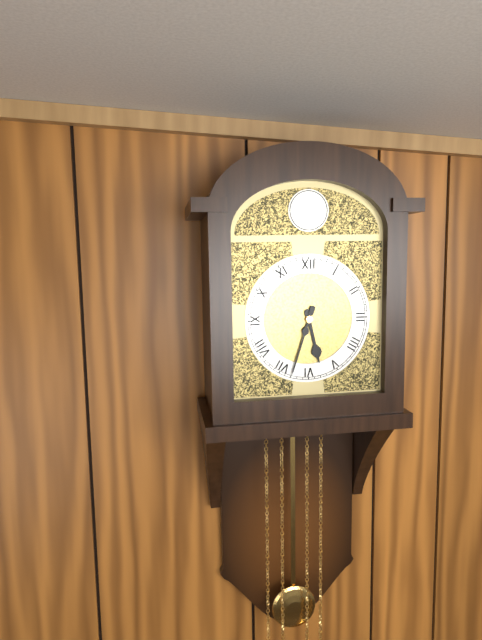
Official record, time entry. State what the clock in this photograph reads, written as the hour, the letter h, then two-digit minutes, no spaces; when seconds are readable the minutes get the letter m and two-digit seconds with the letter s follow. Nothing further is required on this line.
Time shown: 5h33
